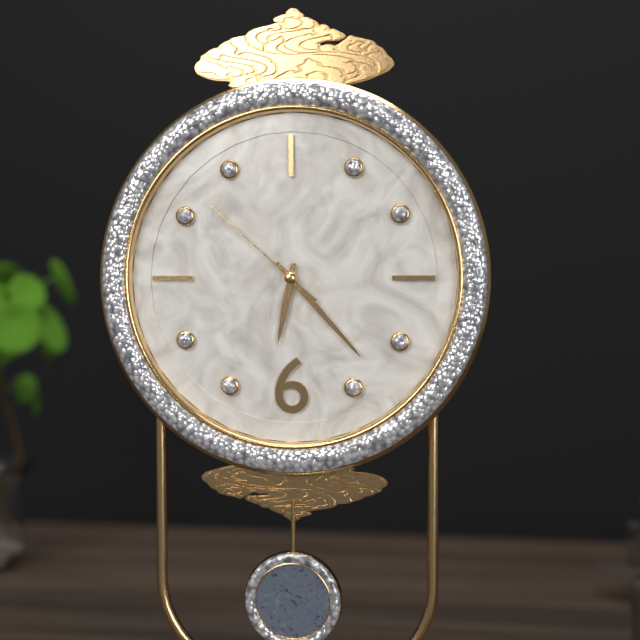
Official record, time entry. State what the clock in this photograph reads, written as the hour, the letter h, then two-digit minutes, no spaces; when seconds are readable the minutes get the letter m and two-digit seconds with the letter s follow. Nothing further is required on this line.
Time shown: 6h23m52s
